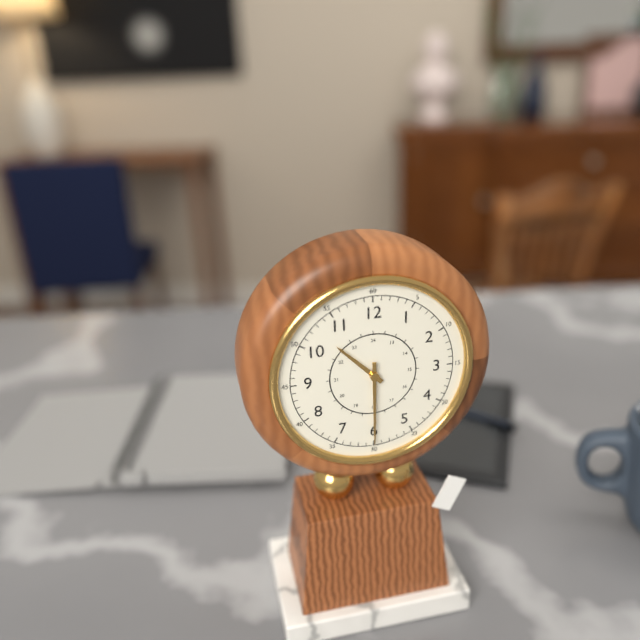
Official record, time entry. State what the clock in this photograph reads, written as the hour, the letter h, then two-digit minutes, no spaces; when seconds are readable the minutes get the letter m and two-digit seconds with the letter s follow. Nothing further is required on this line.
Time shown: 10h30
